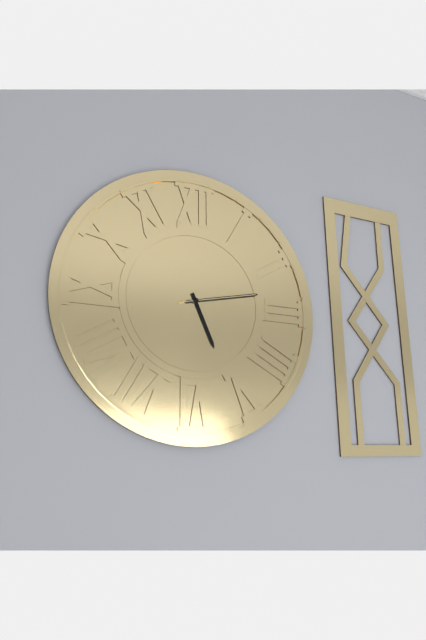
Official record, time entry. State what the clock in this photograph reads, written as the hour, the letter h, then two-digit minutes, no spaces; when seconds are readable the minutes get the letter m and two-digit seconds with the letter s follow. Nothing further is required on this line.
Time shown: 5h13m13s
